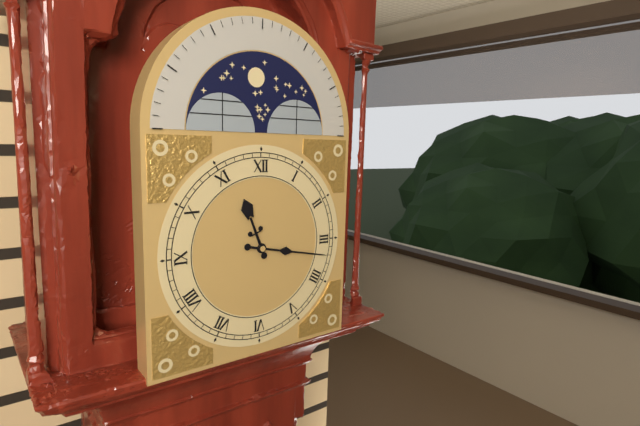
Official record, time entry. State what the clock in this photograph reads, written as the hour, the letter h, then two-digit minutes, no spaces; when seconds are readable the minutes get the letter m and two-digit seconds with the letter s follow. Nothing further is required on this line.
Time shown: 11h17
